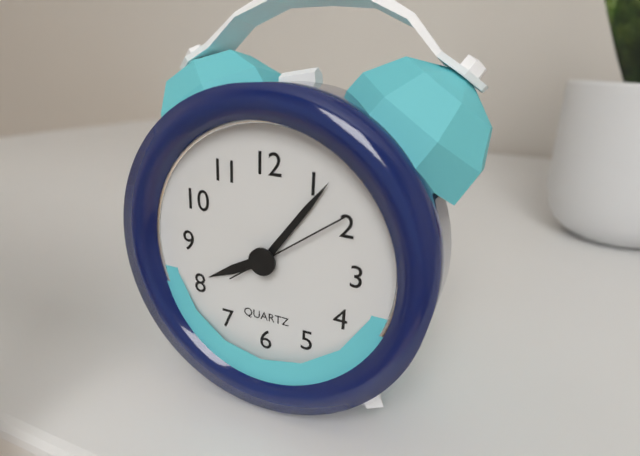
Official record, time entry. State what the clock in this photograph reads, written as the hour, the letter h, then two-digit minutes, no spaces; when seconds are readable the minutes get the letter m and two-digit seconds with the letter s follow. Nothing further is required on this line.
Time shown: 8h06m09s
